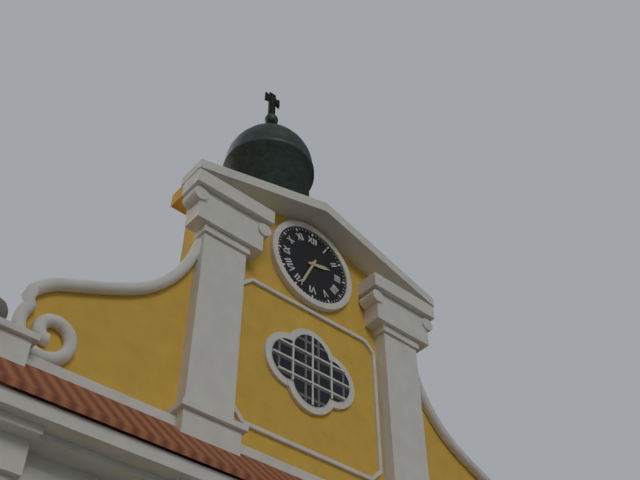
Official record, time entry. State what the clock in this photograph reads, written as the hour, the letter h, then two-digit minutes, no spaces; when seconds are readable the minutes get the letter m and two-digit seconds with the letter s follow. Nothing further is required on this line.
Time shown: 2h34
